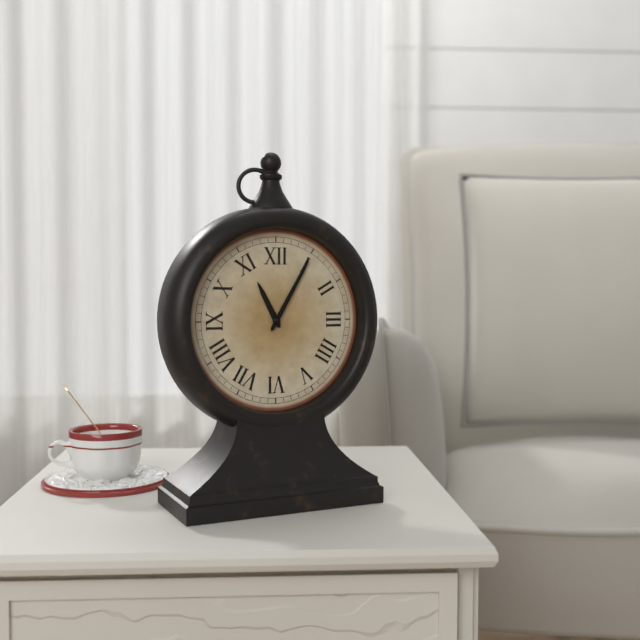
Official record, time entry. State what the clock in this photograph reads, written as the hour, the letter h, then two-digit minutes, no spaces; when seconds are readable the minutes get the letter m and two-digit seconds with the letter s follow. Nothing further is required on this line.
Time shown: 11h05
